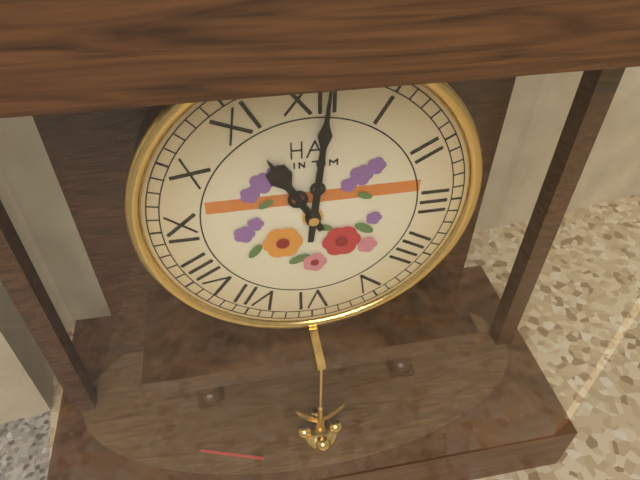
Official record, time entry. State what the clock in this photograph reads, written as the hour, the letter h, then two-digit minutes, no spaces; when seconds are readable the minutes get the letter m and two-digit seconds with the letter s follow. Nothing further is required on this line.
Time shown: 11h01
